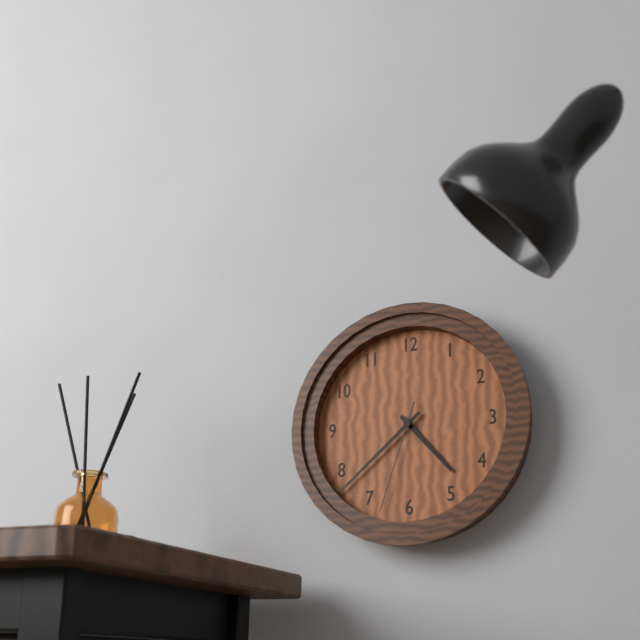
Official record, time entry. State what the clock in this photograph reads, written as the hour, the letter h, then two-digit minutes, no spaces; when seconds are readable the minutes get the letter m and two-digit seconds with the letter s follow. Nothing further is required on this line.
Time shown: 4h38m33s
